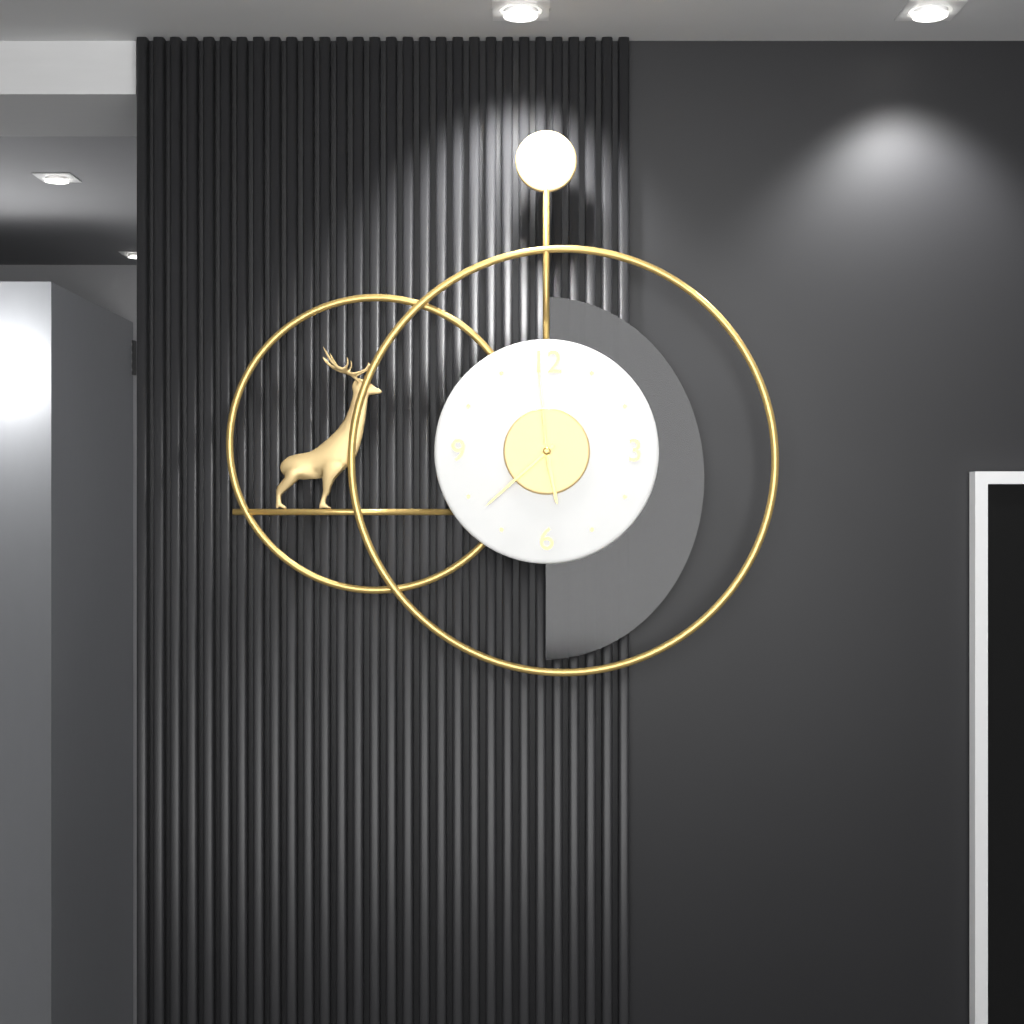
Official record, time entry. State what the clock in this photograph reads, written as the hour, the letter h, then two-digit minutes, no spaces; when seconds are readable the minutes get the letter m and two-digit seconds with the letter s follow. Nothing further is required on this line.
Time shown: 5h38m59s
